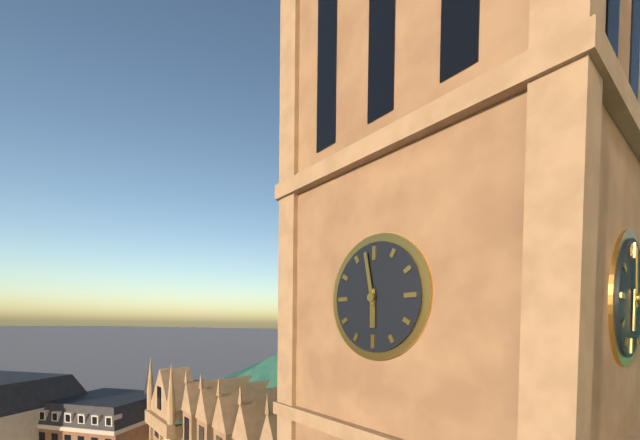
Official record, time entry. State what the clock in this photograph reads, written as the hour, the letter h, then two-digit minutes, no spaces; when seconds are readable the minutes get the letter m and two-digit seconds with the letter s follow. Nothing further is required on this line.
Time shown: 5h58
